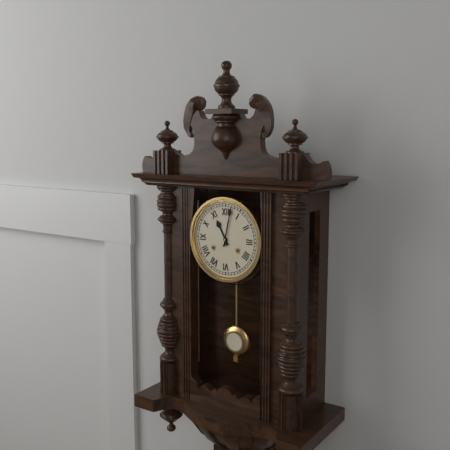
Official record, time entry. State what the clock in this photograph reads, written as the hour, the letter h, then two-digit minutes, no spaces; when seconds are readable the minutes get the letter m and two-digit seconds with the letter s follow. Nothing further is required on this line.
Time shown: 11h02
